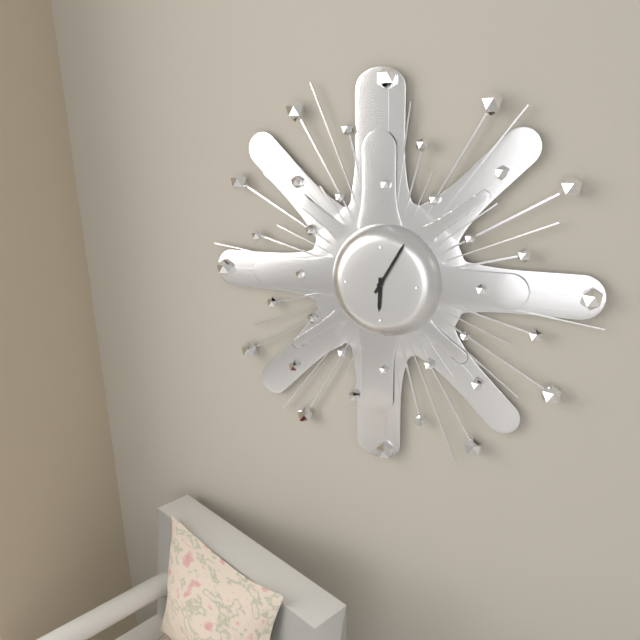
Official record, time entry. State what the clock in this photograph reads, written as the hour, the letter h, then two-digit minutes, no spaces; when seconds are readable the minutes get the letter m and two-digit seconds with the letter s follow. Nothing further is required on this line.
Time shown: 6h05
